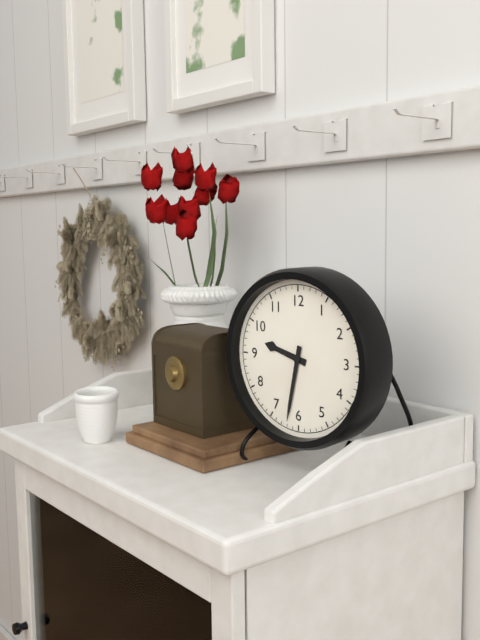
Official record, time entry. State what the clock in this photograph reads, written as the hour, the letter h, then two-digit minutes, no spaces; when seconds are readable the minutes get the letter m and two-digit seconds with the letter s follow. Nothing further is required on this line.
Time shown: 9h32
